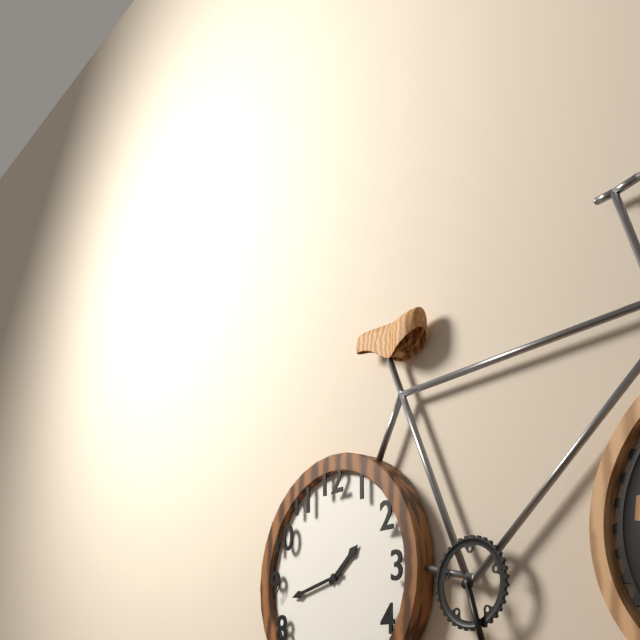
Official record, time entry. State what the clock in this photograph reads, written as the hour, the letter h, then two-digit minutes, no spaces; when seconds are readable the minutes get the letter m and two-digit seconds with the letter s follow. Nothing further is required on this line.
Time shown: 1h43
